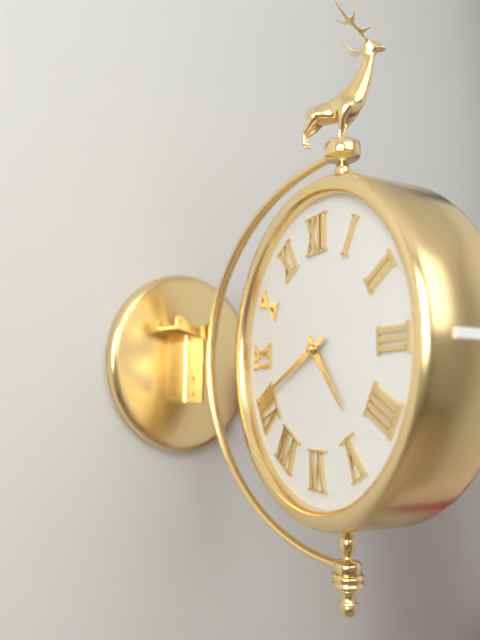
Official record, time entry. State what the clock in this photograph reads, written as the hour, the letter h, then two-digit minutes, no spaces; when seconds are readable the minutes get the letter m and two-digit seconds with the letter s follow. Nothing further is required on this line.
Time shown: 4h41
